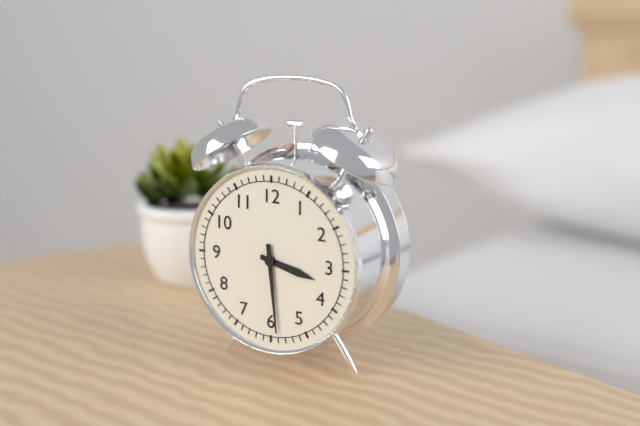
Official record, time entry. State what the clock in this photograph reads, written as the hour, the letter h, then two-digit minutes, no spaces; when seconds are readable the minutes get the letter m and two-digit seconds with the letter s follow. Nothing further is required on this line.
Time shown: 3h29
